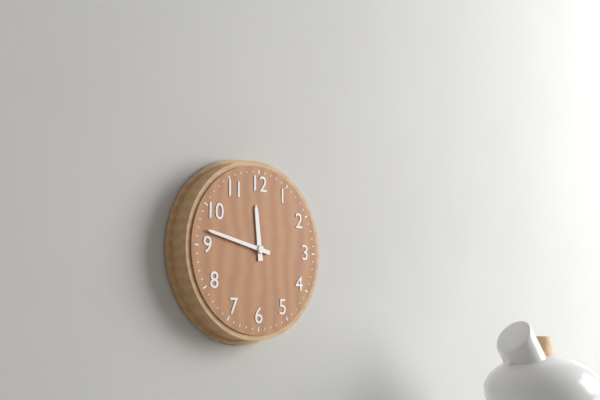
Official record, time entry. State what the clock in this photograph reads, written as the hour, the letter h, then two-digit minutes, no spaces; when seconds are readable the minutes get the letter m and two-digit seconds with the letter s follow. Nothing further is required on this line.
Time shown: 11h47
